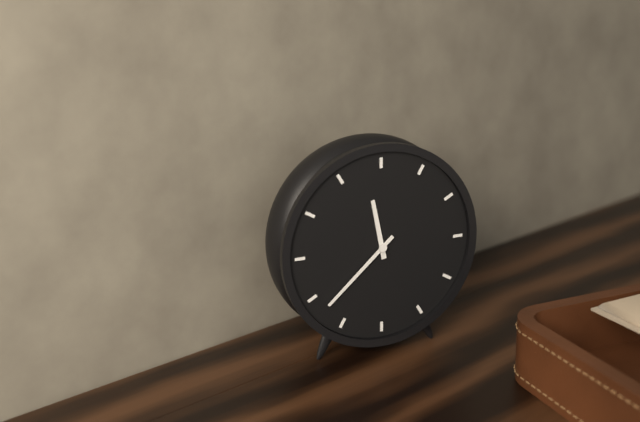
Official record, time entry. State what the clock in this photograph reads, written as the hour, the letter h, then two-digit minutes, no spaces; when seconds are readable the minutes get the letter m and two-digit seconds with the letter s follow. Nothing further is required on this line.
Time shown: 11h38
